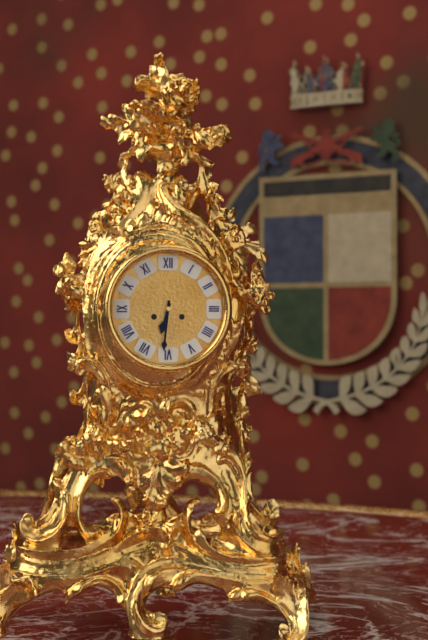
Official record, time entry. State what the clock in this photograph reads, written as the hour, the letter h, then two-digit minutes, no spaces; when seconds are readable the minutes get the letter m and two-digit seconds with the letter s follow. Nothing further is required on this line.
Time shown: 6h31
